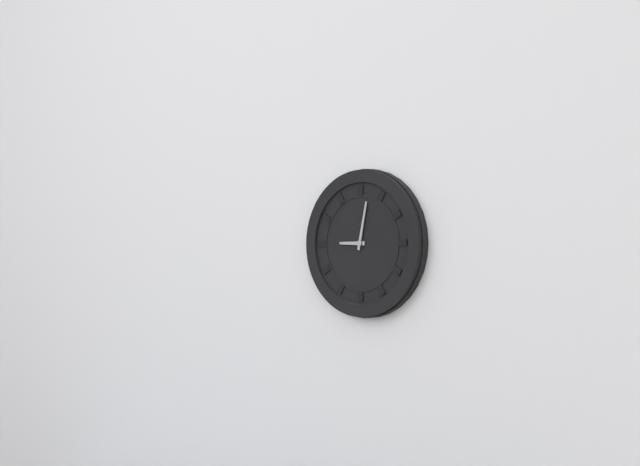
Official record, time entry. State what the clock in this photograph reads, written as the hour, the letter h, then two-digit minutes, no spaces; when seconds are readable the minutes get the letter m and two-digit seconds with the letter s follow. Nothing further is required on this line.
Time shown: 9h02
